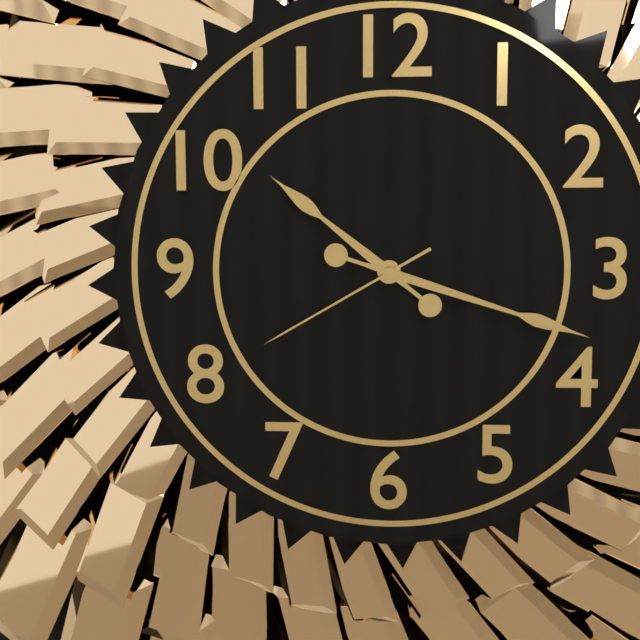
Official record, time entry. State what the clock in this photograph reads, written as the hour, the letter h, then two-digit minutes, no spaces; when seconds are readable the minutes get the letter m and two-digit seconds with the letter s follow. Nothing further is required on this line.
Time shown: 10h18m40s
